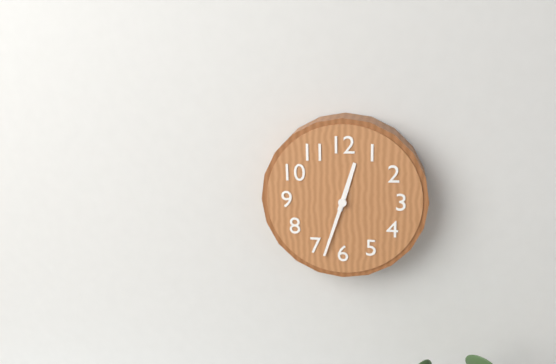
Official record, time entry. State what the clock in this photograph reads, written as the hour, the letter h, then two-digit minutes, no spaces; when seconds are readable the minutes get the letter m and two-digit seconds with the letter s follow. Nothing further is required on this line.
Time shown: 12h33
